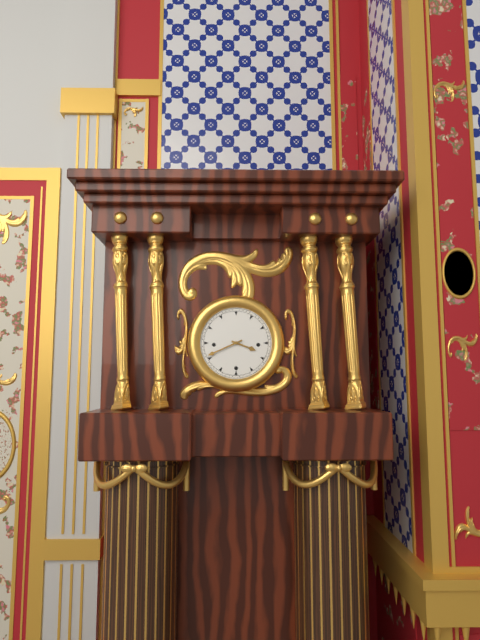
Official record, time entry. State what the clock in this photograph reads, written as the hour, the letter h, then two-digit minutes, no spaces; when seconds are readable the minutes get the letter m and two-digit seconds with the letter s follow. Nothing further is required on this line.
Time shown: 3h41
